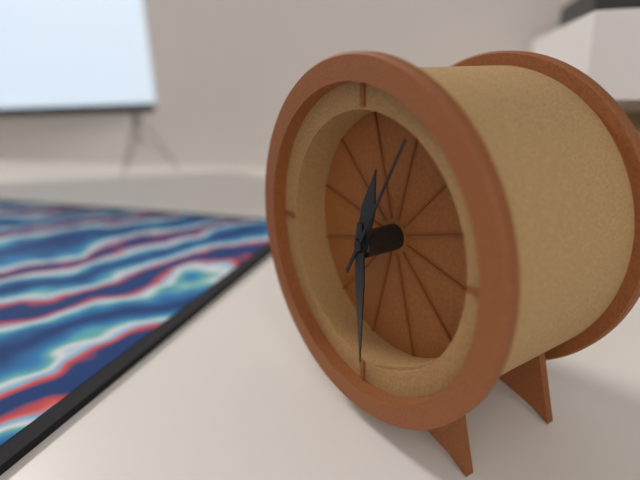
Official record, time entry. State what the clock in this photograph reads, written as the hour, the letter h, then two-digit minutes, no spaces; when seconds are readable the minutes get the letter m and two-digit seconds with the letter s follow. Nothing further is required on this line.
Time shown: 12h30m05s
